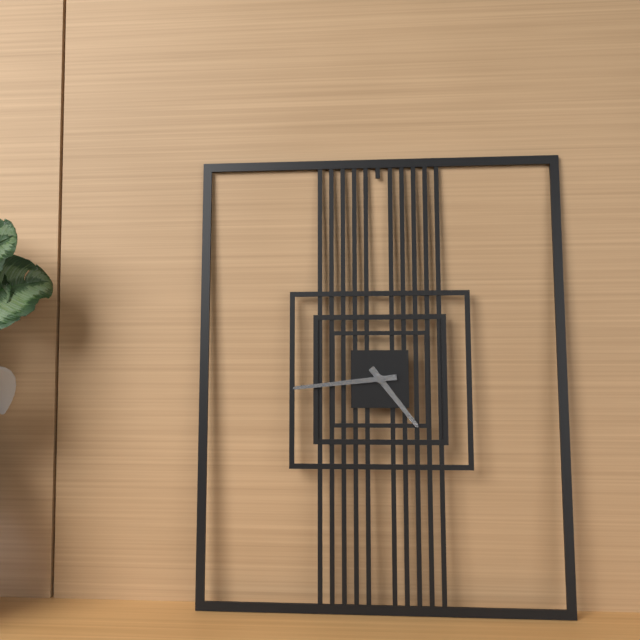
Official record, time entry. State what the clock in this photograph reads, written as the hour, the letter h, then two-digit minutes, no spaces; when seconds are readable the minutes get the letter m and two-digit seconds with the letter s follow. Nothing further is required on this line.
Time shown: 4h44
